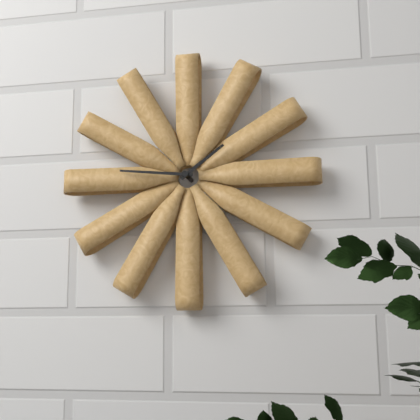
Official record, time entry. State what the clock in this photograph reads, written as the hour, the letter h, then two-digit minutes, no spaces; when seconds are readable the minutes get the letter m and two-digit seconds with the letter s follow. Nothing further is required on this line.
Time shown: 1h46
